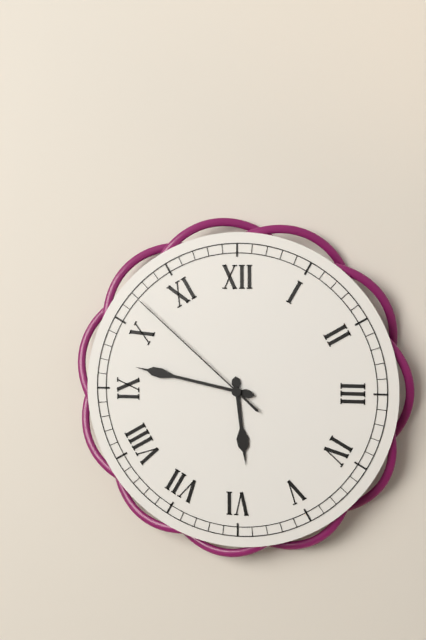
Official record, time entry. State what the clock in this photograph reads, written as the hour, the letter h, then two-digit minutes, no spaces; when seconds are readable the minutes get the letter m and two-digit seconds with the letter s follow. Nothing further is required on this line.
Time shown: 5h47m52s
